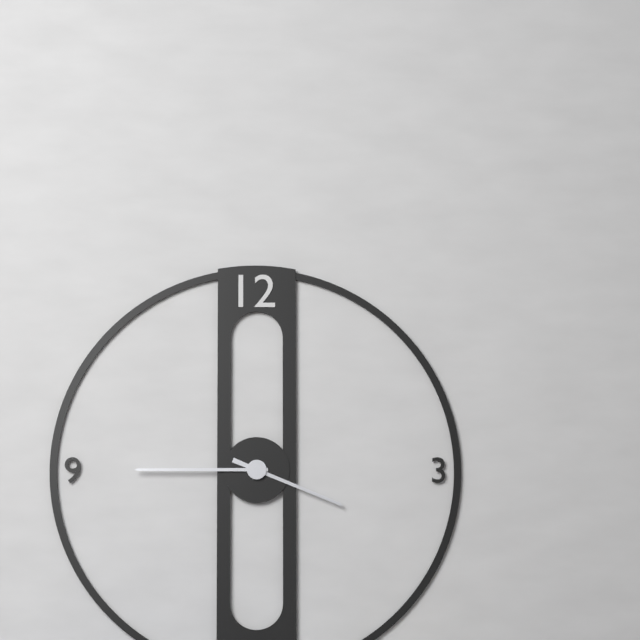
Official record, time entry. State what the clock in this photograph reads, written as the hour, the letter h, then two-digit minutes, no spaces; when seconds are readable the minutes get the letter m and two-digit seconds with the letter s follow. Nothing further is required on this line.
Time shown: 3h45
